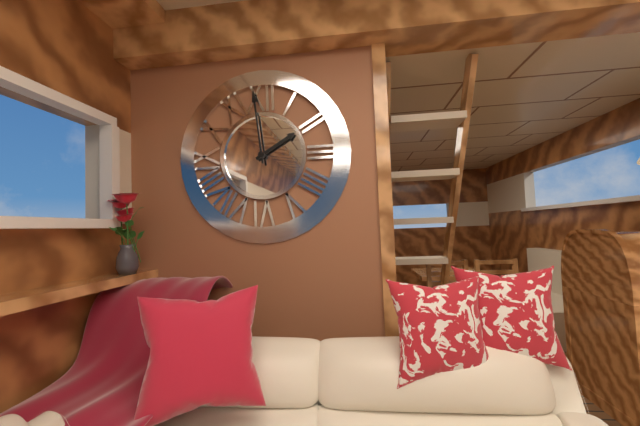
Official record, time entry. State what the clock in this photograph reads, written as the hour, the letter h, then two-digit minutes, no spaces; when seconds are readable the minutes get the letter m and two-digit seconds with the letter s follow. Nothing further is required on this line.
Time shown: 1h59
